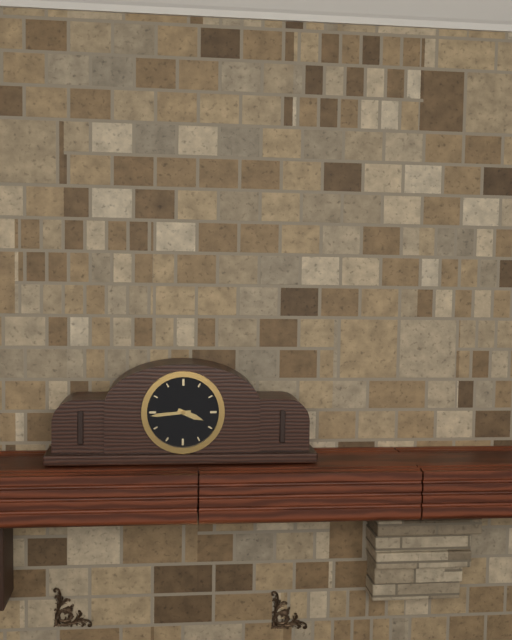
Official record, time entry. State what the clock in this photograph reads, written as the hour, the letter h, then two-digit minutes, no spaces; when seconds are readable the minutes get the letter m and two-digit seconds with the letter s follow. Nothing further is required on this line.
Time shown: 3h44
